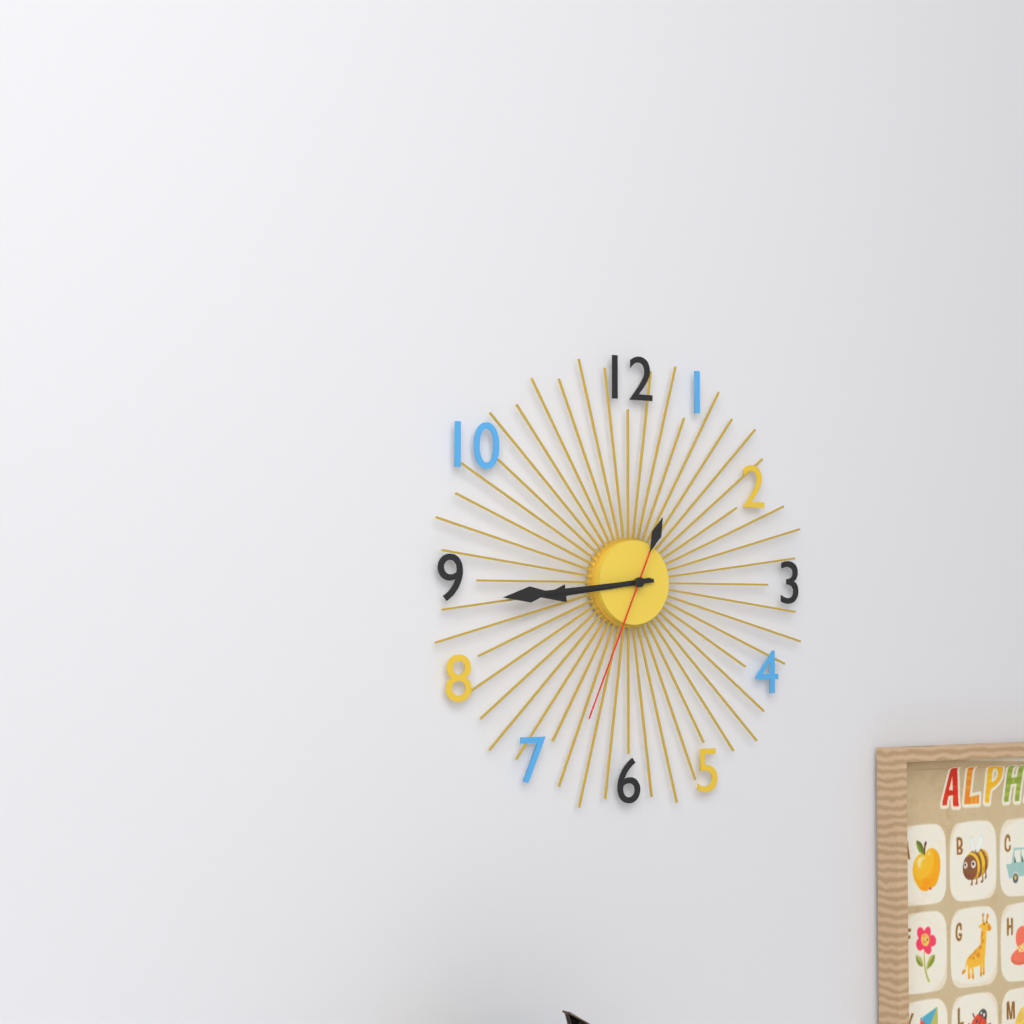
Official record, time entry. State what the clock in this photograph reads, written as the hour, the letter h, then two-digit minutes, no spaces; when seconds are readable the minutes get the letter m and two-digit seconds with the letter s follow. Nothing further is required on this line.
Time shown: 8h44m34s
